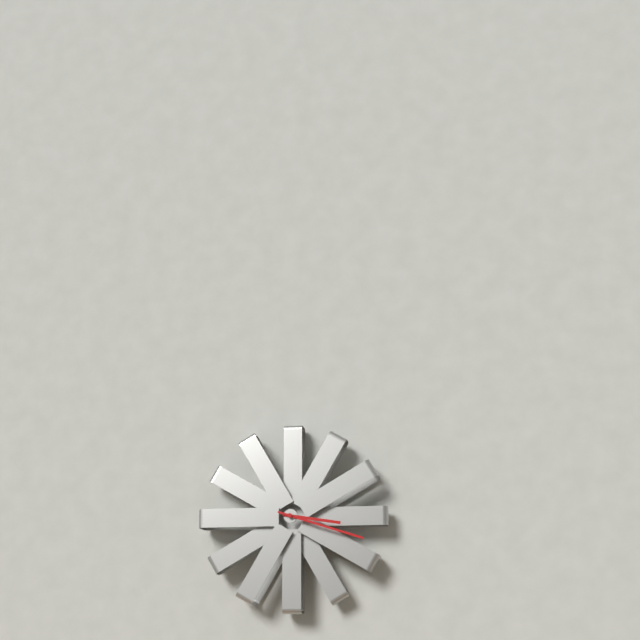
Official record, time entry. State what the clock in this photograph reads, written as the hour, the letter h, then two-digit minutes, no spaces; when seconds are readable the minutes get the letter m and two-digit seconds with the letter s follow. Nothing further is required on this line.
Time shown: 3h18
